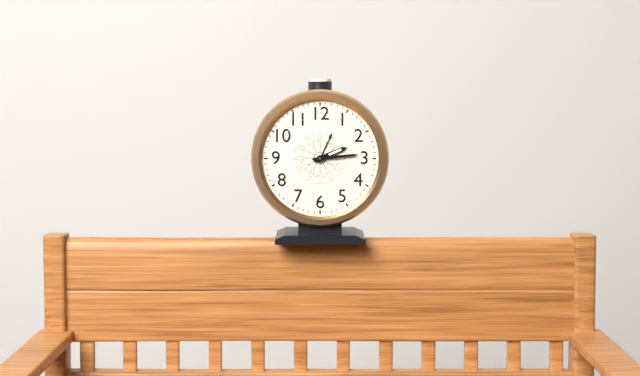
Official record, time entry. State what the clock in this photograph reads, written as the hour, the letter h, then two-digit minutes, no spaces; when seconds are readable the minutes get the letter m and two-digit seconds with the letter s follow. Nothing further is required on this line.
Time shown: 2h14
